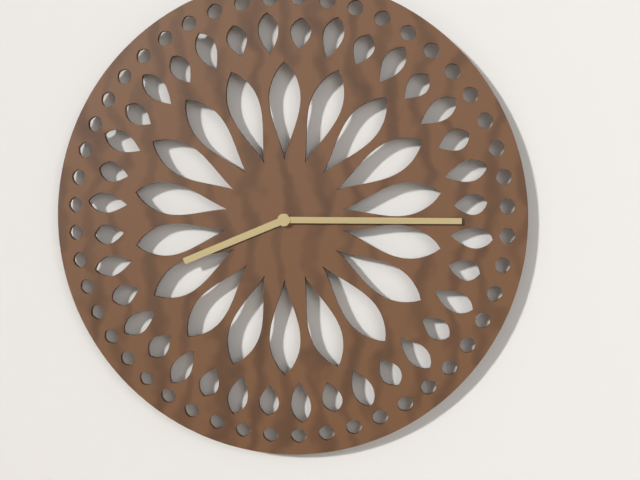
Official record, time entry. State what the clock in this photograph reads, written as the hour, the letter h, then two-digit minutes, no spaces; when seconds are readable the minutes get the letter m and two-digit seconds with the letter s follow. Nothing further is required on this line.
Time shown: 8h15
